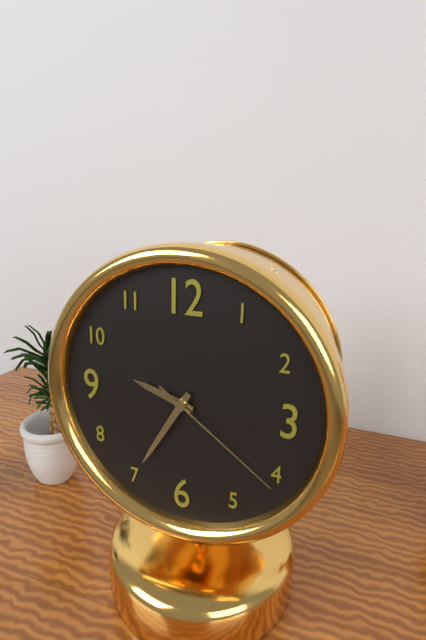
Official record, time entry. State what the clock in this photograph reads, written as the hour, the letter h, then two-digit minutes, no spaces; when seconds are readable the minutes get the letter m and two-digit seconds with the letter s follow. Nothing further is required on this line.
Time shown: 9h35m21s
